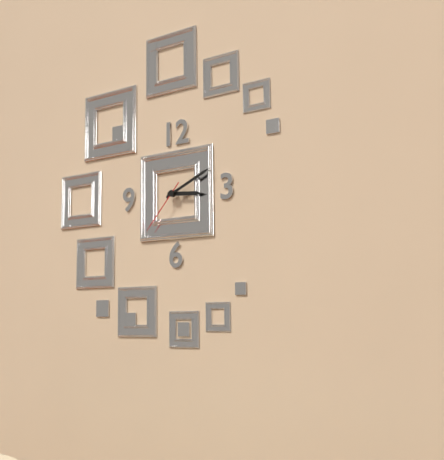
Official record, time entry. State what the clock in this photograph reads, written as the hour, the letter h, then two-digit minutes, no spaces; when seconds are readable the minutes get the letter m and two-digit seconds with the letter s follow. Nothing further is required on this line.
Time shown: 3h11m37s
